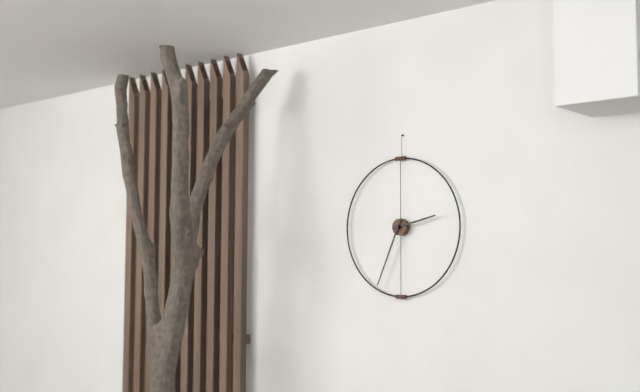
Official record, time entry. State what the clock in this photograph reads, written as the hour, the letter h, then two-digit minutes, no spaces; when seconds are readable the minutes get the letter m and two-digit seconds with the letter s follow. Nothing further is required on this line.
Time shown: 2h34
